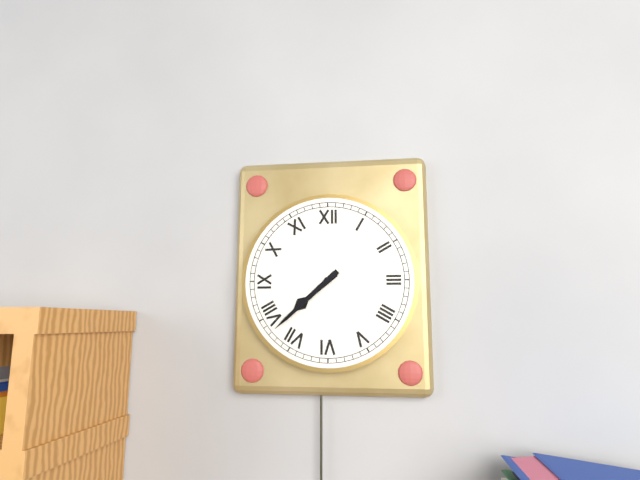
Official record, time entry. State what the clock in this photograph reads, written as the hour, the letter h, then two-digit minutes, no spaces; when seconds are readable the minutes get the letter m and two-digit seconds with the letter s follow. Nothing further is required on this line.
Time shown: 7h38
